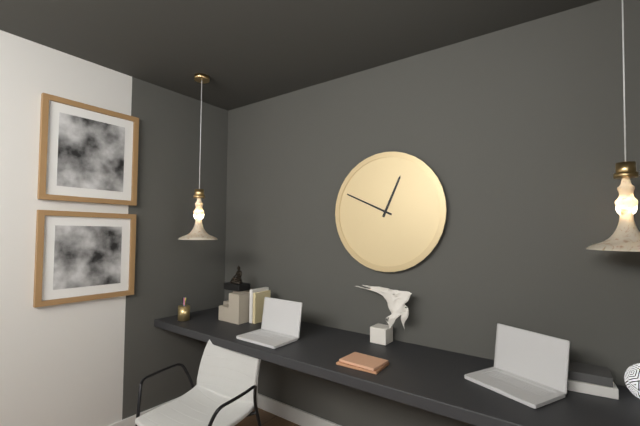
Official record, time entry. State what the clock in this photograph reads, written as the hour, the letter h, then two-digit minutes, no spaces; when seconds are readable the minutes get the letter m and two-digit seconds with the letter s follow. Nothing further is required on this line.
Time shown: 12h49
